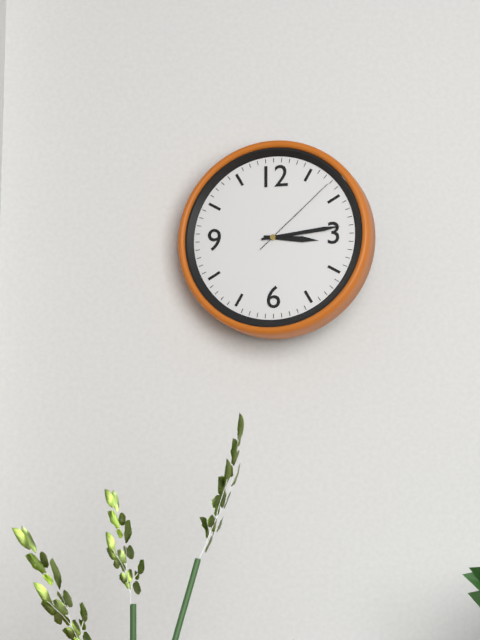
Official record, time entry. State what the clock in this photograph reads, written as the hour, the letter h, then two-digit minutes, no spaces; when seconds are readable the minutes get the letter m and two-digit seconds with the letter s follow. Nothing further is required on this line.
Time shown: 3h14m08s
